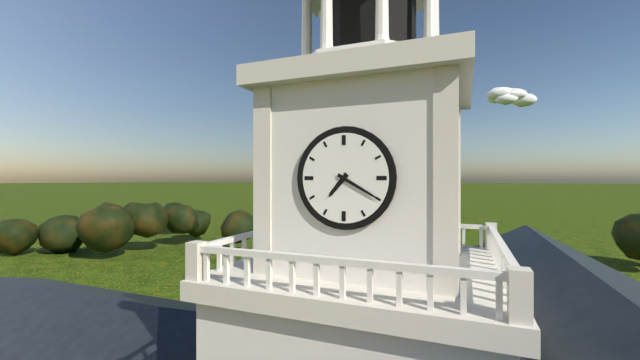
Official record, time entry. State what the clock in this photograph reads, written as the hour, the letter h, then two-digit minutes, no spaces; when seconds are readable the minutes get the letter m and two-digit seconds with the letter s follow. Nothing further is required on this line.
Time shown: 7h20
